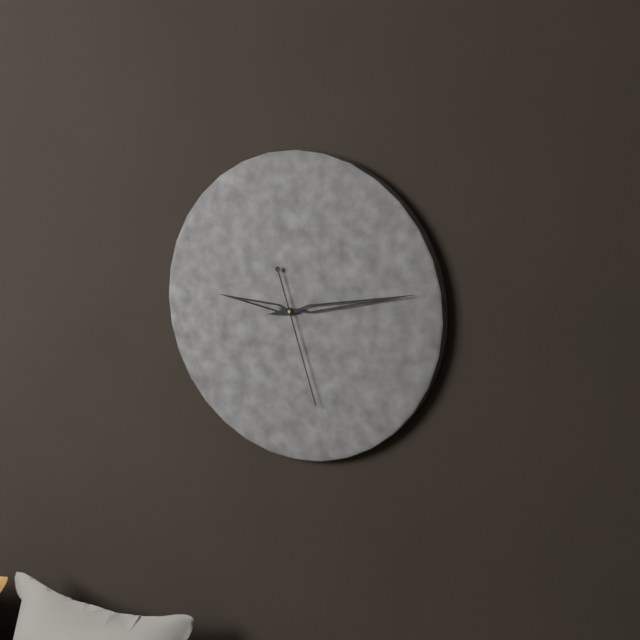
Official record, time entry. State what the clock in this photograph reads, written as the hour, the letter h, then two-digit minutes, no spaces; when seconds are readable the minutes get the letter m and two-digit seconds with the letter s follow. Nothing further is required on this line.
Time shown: 9h13m27s
